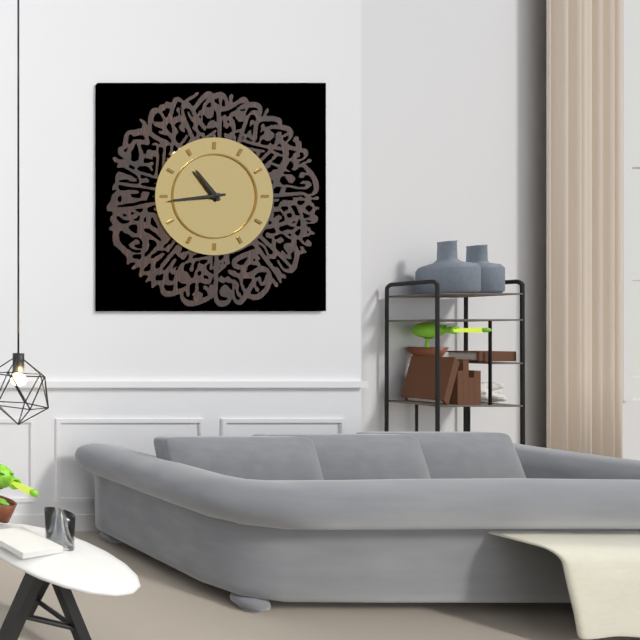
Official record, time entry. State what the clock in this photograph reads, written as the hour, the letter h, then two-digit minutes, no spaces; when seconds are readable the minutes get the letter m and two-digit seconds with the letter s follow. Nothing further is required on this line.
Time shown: 10h44
